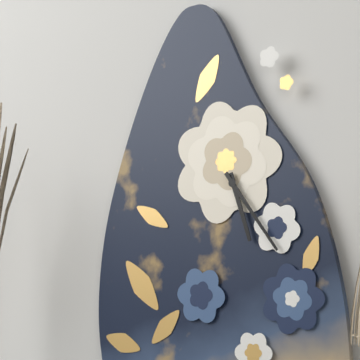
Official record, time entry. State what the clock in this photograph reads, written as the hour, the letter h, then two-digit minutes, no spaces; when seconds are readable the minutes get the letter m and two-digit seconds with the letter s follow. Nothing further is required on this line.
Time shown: 5h24
